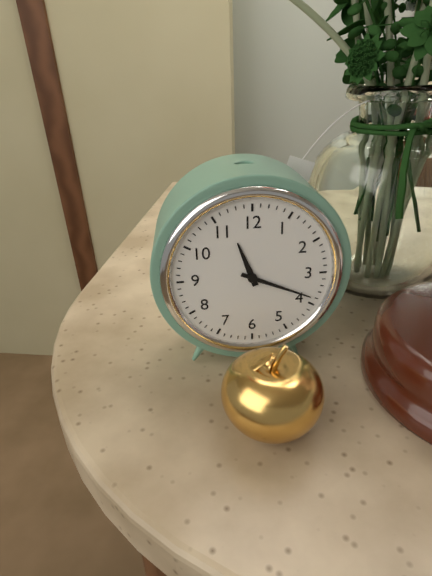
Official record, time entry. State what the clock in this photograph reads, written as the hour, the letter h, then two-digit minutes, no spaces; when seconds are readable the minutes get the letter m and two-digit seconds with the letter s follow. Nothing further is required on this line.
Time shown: 11h19
